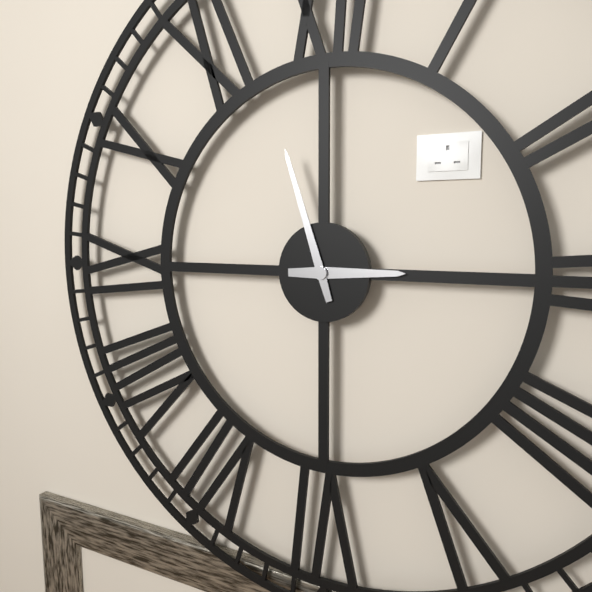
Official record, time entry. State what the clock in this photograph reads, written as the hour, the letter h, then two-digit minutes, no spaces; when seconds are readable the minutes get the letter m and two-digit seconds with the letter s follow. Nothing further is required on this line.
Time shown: 2h57
